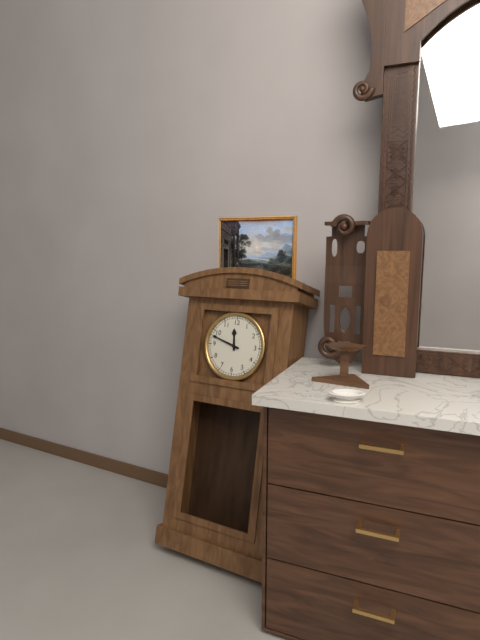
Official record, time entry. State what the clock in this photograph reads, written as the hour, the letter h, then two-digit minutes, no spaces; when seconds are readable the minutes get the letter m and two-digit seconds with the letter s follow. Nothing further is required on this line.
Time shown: 11h48
